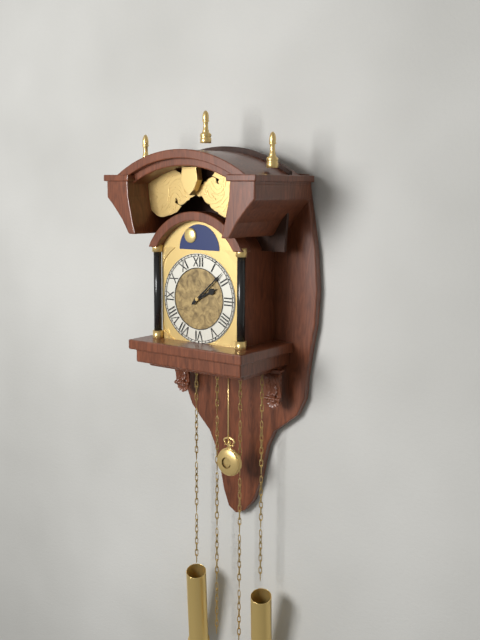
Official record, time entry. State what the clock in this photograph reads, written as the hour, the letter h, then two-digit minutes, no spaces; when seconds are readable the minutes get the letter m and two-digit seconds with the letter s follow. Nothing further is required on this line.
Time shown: 2h08
